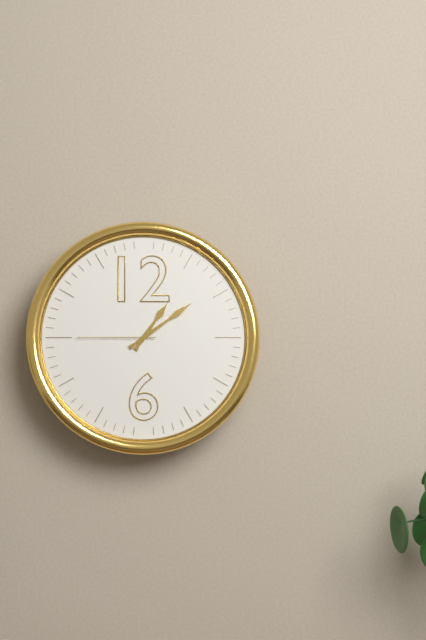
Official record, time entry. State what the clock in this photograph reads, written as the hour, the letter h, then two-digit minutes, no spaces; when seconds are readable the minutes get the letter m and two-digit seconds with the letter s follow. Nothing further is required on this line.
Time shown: 1h09m45s
